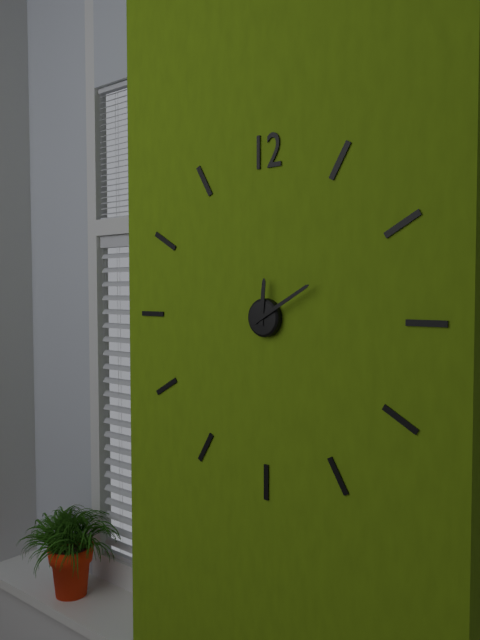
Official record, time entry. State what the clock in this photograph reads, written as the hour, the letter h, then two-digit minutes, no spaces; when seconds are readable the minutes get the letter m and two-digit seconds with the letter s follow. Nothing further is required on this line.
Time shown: 12h10
